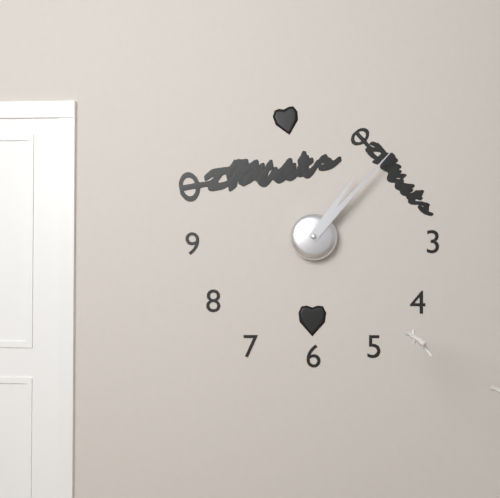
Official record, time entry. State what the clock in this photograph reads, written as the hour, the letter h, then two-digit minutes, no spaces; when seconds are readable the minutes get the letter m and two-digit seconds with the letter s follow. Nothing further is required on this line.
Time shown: 1h07
